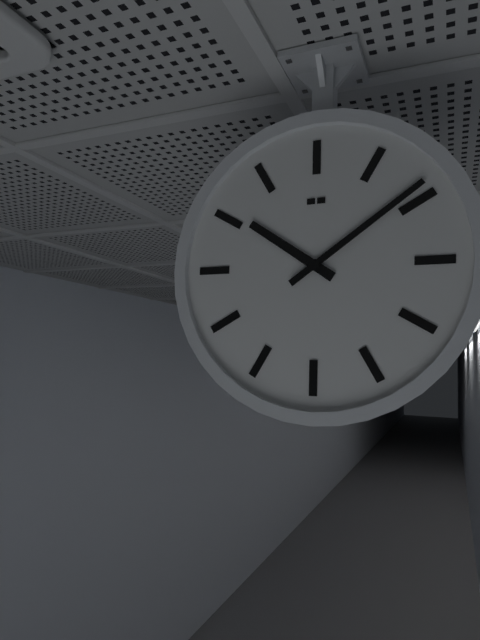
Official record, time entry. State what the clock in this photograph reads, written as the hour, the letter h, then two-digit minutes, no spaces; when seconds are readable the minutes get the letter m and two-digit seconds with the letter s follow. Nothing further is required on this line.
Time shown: 10h09
